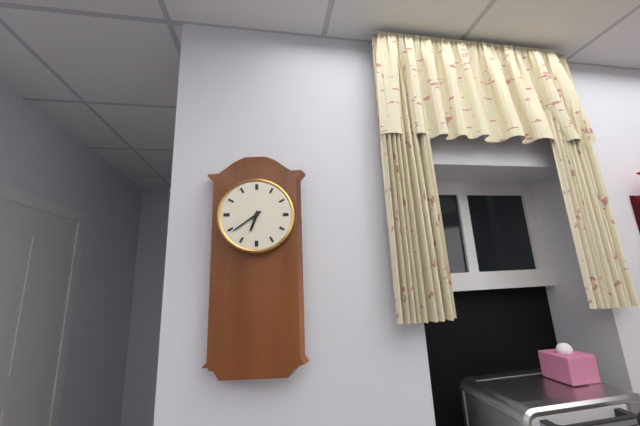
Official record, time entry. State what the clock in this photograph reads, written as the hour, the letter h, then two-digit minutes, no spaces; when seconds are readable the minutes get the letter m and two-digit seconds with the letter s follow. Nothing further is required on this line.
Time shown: 6h39
